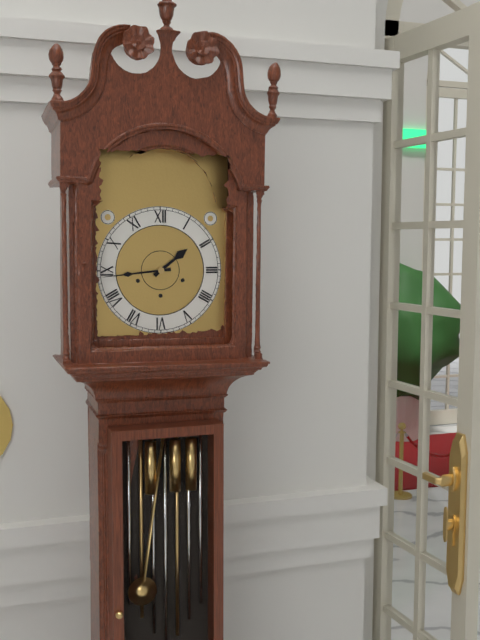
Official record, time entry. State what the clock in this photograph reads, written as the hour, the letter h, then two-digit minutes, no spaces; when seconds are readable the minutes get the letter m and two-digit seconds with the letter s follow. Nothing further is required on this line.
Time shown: 1h44
